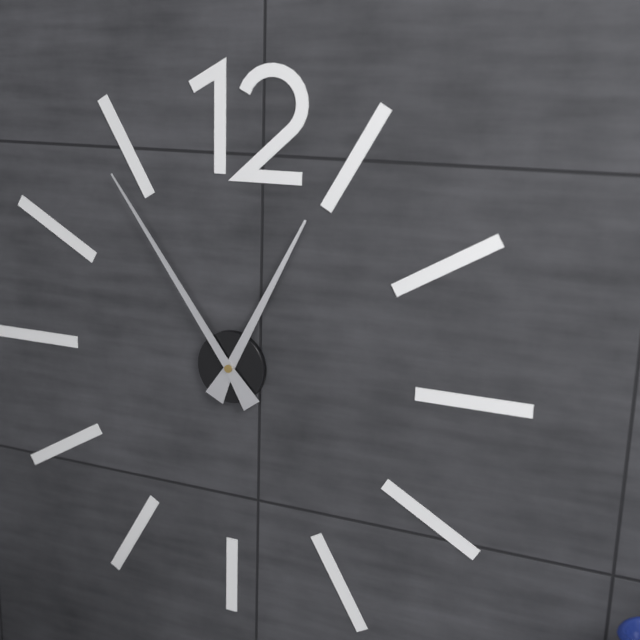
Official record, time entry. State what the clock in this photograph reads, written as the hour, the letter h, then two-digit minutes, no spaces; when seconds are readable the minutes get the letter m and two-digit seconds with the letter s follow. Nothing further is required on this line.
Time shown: 12h54
